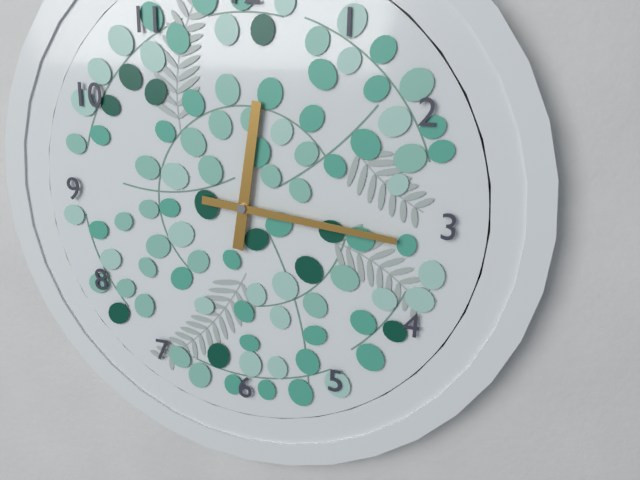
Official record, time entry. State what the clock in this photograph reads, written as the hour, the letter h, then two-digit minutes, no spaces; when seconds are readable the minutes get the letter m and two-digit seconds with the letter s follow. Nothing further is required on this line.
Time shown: 12h16
